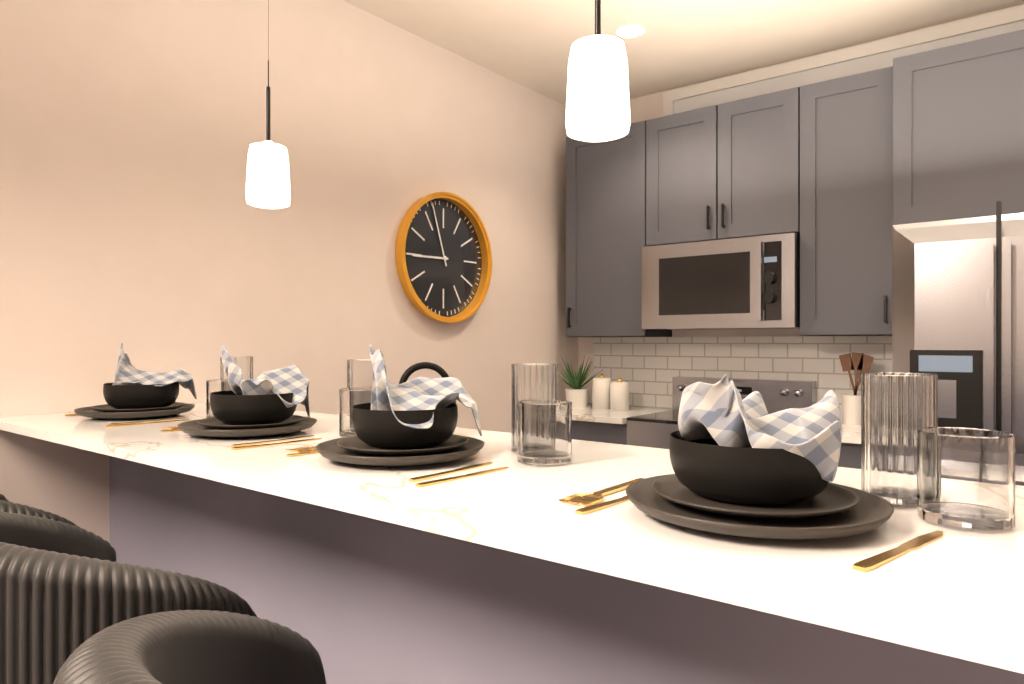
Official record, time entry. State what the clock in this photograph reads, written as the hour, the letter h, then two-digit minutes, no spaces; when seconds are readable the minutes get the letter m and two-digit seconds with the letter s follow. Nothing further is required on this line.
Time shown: 8h57
